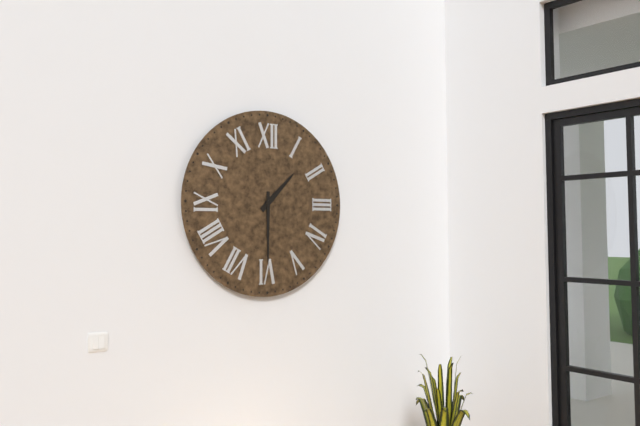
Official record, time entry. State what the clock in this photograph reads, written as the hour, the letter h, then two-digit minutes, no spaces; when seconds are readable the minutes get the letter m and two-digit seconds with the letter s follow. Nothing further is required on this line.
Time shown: 1h30
